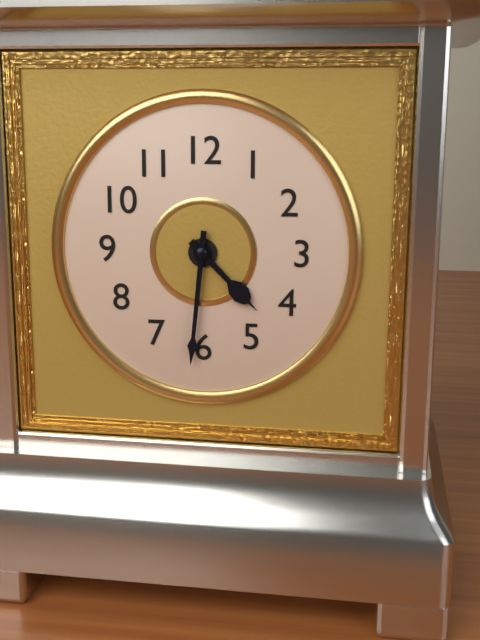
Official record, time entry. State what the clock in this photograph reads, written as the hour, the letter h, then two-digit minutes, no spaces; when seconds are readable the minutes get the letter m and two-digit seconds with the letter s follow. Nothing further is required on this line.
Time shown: 4h31
